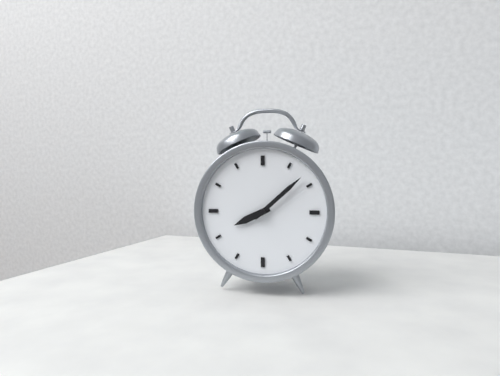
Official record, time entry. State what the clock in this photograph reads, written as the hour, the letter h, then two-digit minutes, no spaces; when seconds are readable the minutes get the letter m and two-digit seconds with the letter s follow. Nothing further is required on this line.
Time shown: 8h08
